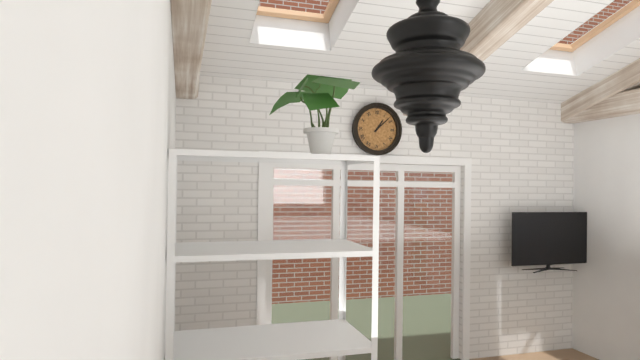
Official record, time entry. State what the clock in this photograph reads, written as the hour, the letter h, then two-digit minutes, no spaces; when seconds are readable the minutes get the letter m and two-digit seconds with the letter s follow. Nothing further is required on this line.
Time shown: 1h08
